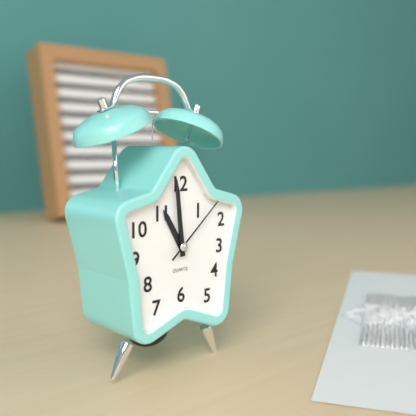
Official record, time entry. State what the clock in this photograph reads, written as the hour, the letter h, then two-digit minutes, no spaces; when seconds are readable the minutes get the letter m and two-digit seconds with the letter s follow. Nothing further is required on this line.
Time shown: 10h59m08s
